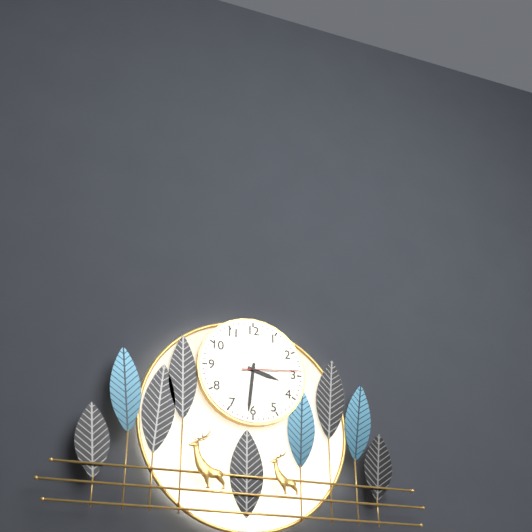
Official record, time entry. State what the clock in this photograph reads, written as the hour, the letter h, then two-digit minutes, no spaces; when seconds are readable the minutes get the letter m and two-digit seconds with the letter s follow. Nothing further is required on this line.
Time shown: 3h31m14s
